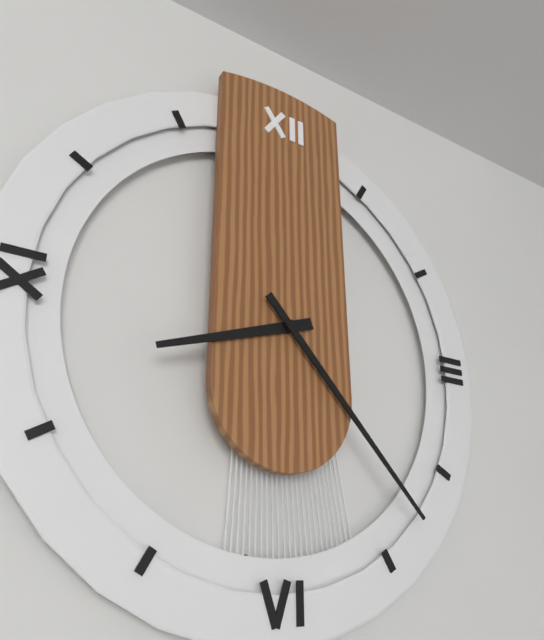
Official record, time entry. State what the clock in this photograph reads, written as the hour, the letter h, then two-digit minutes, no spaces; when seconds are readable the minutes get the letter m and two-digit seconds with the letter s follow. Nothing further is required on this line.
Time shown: 8h23
